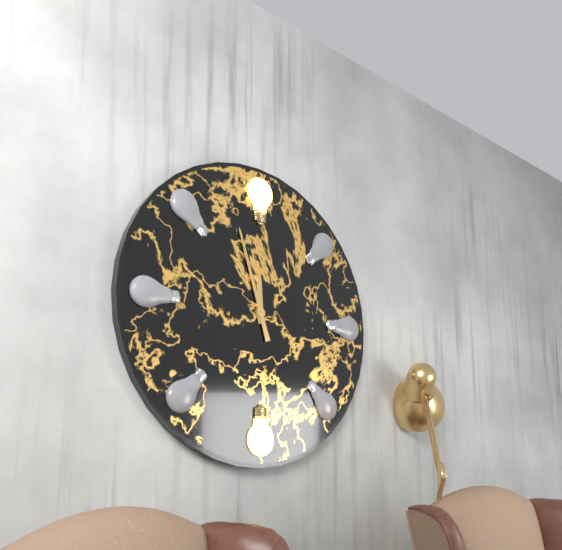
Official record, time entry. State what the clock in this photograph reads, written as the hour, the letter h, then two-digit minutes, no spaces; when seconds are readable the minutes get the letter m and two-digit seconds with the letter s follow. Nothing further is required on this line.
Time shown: 11h57
